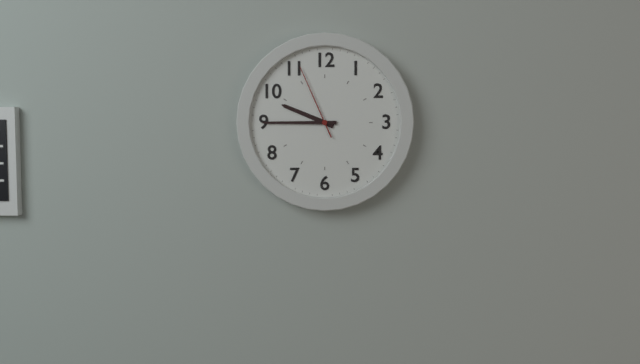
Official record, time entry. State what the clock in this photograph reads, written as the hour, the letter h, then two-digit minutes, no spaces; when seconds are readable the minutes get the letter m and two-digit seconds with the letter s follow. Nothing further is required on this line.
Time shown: 9h45m56s
